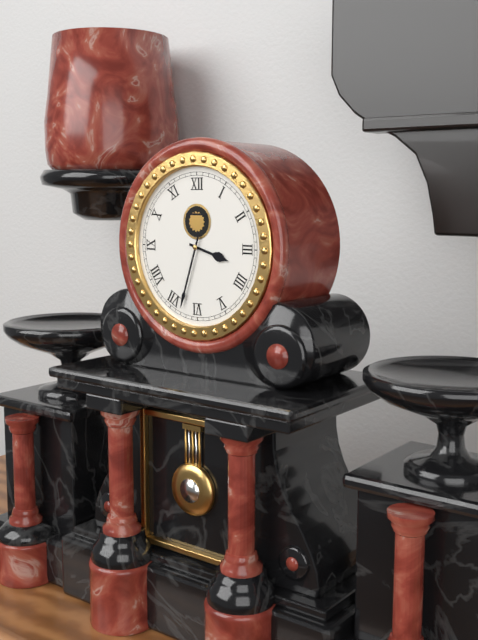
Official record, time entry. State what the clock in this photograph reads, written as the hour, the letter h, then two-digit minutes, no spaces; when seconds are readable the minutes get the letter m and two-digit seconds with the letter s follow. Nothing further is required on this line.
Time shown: 3h33
